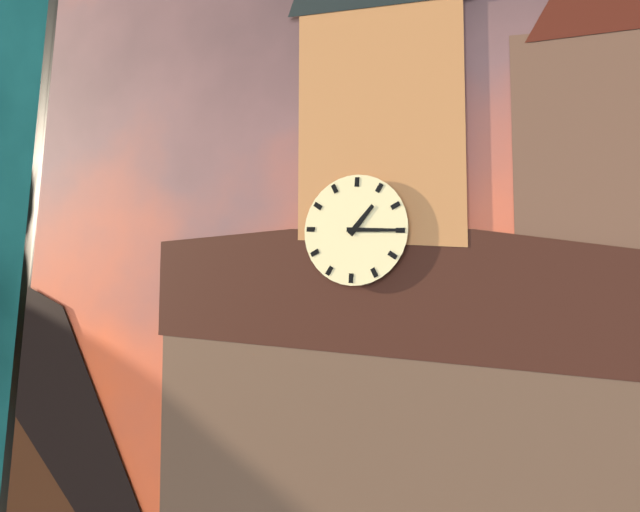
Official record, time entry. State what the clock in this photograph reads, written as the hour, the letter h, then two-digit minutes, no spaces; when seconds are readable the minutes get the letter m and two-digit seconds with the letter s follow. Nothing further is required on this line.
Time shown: 1h15
